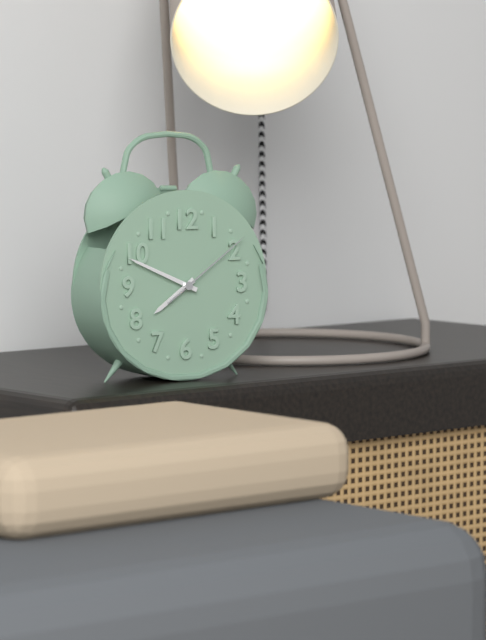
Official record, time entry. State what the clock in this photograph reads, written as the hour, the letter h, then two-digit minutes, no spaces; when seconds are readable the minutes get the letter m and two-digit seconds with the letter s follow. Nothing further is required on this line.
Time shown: 7h49m09s
